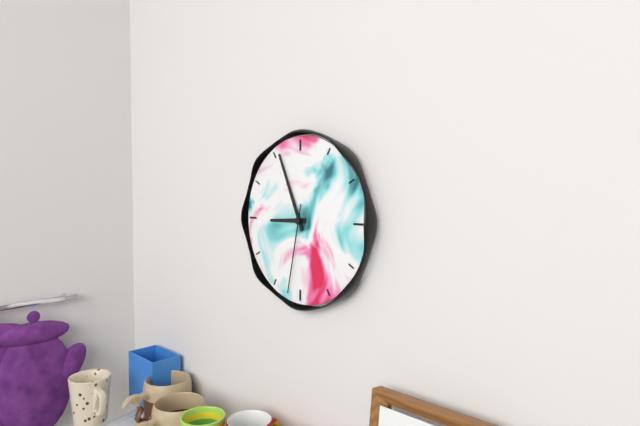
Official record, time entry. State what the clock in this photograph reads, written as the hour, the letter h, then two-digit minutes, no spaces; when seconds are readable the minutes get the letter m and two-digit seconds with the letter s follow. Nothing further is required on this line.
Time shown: 8h56m32s
